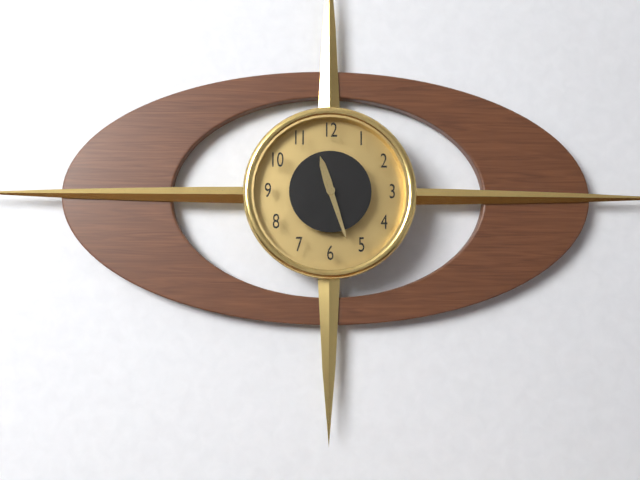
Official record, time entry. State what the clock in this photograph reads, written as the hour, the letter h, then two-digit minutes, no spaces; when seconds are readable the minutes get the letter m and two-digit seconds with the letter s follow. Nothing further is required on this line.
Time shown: 11h27
